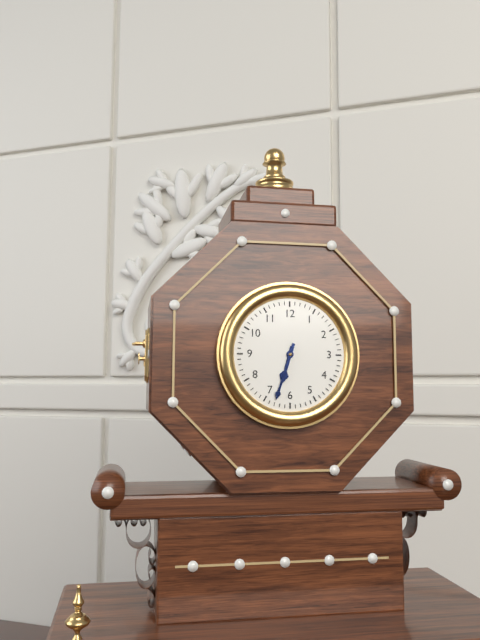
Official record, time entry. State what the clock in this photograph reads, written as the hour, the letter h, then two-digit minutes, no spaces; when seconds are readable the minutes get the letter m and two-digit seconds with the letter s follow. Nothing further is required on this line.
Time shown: 6h33
